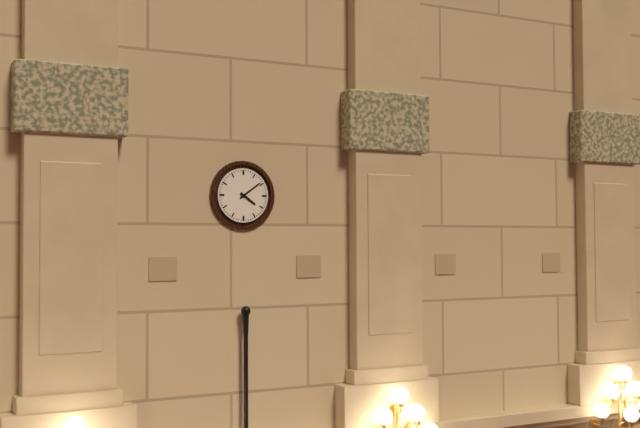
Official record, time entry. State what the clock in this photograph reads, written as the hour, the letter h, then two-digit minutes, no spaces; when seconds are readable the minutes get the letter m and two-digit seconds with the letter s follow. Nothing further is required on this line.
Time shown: 4h09
